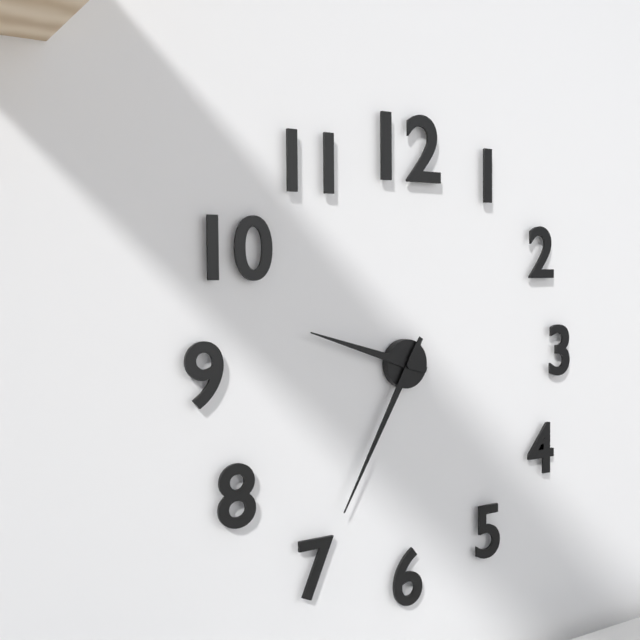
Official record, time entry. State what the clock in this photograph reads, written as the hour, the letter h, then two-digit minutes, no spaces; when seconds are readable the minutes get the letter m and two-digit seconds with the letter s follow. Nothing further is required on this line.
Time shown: 9h35
